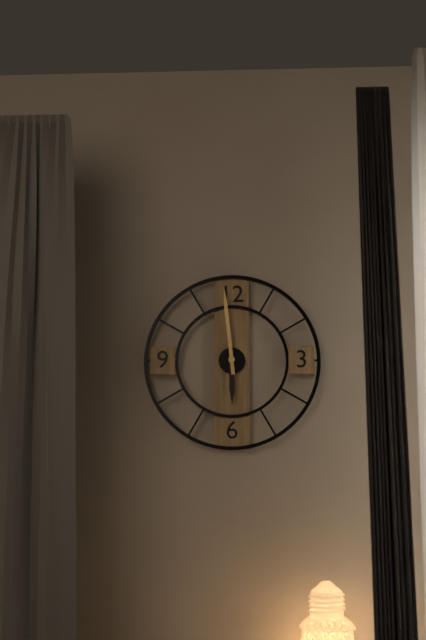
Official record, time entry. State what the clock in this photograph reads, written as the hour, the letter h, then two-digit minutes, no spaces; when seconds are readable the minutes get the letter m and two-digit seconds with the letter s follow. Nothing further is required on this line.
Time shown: 5h59
